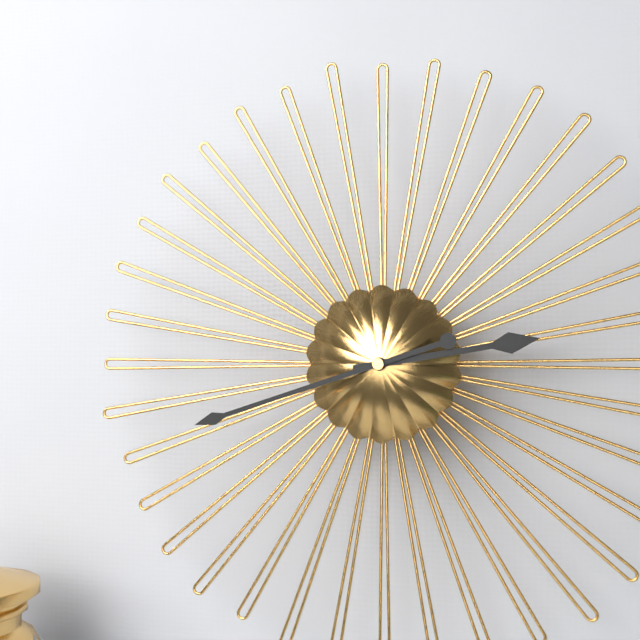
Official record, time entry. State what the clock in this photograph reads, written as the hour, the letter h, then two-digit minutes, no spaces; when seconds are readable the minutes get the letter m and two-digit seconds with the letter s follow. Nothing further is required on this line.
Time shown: 2h42
